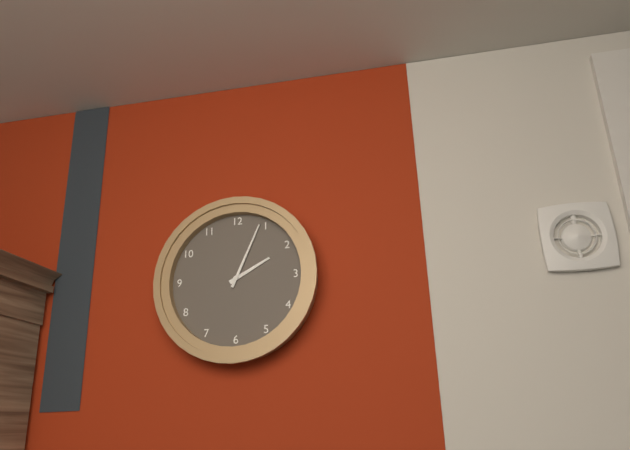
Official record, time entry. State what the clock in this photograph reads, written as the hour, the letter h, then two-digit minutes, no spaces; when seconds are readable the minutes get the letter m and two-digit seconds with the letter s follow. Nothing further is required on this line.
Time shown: 2h04
